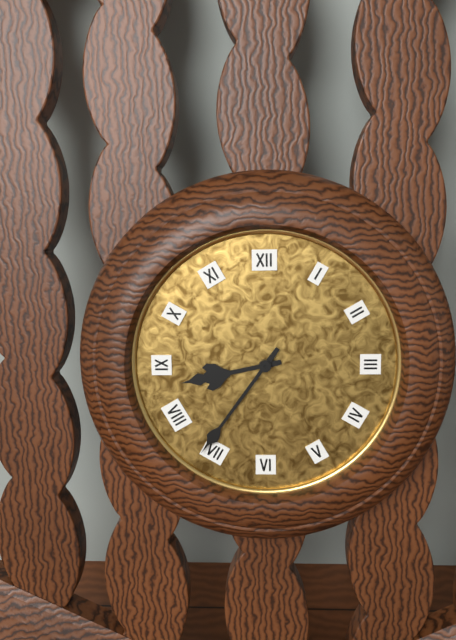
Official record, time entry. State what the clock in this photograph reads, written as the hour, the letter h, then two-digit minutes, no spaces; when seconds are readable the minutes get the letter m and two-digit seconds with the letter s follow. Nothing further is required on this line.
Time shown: 8h36
